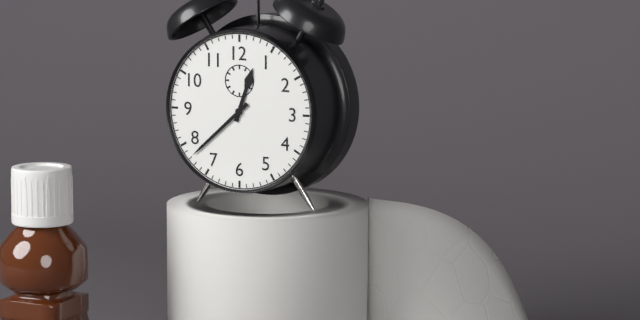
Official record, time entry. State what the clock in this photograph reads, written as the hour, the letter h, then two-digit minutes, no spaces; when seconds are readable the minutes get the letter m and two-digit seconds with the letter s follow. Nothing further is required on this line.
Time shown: 12h38
